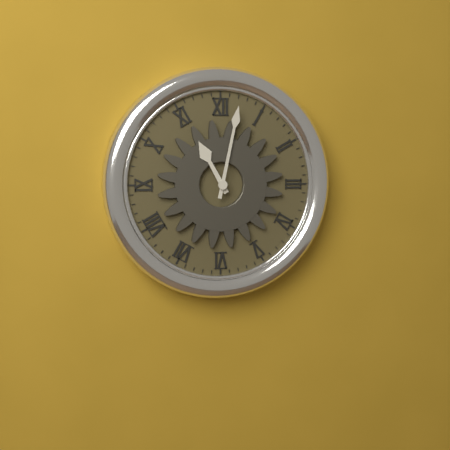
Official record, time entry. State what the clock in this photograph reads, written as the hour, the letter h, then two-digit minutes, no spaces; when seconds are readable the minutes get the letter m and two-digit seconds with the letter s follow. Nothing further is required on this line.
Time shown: 11h02
